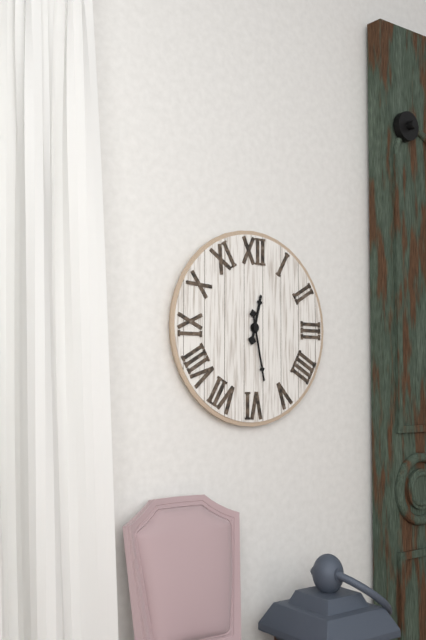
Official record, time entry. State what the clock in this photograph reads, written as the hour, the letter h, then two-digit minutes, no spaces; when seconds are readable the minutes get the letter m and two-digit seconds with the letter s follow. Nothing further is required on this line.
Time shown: 12h28
